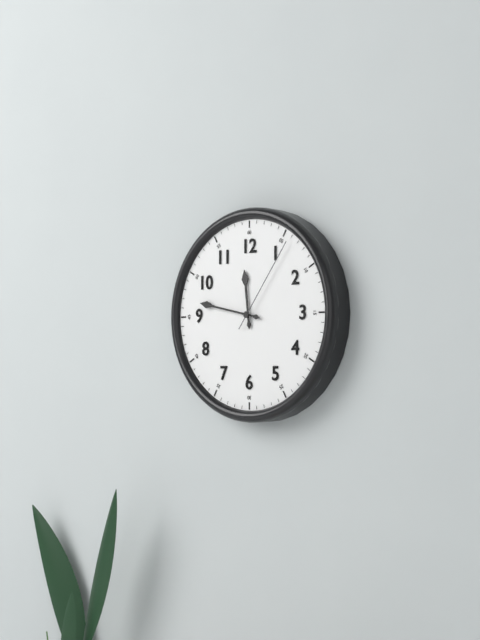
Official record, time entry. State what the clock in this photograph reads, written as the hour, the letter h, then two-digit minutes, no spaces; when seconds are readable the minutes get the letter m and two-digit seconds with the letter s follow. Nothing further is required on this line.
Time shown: 11h47m06s
